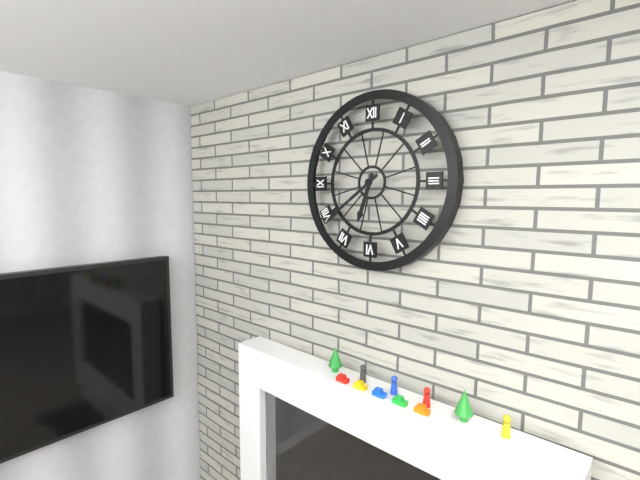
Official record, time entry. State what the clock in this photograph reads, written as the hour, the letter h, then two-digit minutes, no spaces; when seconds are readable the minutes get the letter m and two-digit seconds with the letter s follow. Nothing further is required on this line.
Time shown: 6h39
